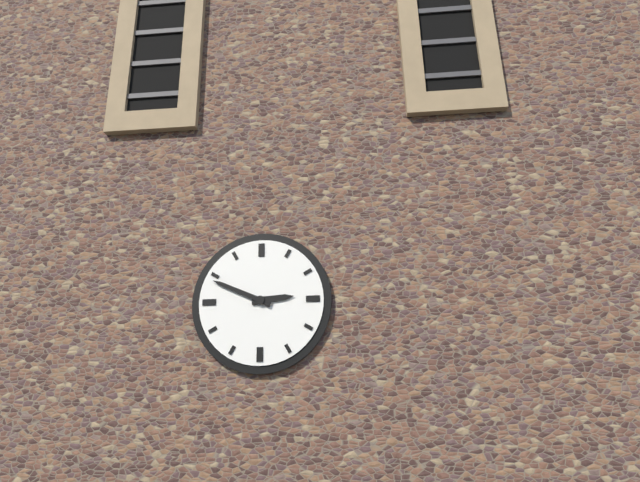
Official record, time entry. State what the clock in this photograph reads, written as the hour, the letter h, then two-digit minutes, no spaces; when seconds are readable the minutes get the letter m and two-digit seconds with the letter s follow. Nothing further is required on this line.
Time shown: 2h49
